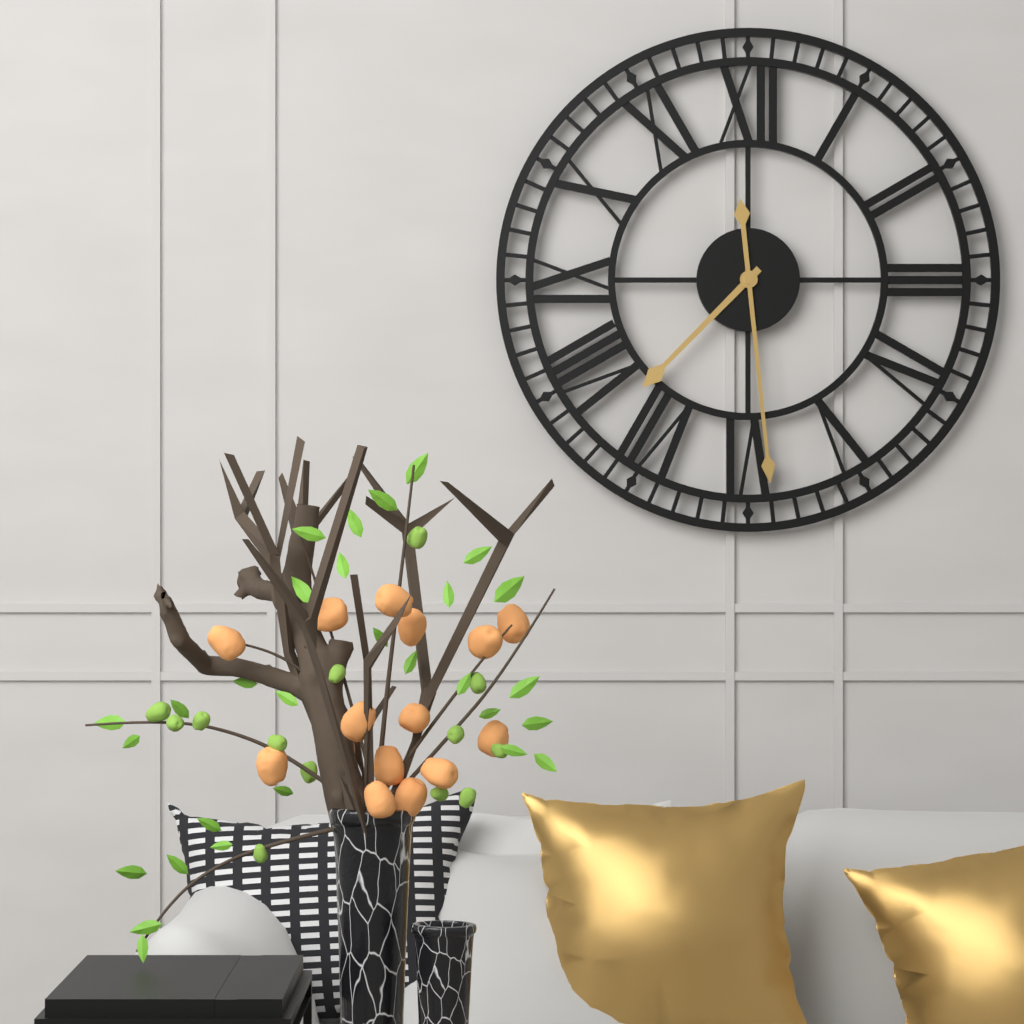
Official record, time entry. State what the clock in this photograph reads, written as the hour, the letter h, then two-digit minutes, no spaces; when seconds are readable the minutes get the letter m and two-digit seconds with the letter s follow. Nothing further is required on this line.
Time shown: 7h29
